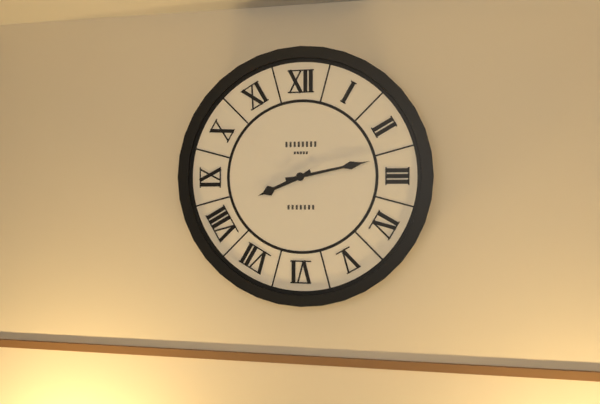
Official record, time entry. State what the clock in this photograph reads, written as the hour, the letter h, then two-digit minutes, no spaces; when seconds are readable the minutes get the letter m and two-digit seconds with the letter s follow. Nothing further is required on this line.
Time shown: 8h13
